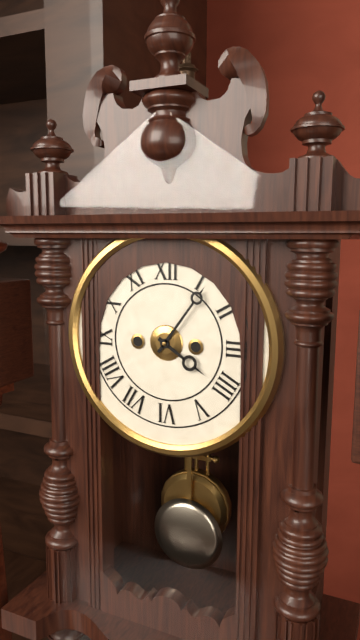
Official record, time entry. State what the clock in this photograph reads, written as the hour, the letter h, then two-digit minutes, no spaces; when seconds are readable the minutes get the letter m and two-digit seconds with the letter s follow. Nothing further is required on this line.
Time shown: 4h06
